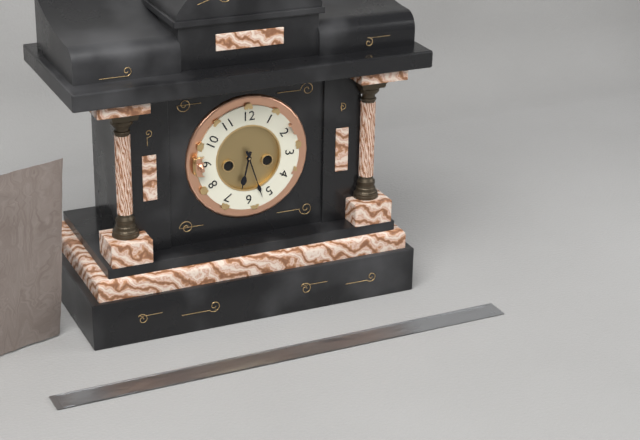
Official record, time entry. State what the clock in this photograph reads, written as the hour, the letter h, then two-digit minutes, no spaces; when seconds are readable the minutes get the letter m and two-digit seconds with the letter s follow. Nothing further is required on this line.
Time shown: 6h27
